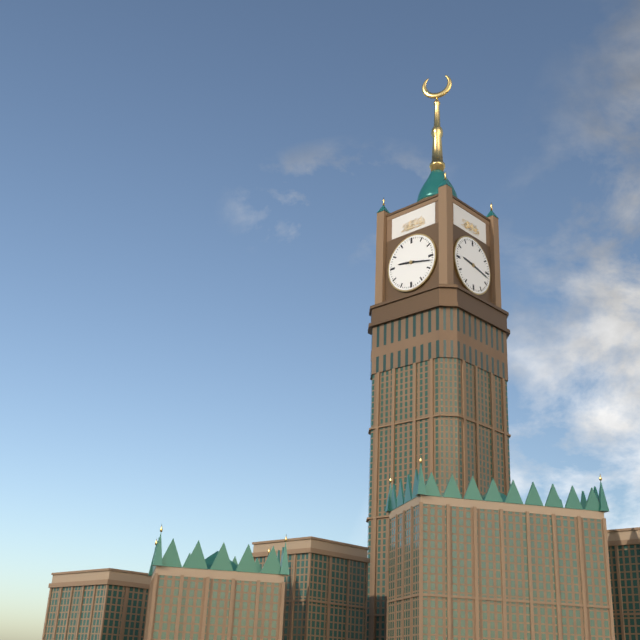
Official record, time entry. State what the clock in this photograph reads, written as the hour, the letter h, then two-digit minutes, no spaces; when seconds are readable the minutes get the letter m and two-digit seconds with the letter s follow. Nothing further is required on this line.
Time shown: 9h17
